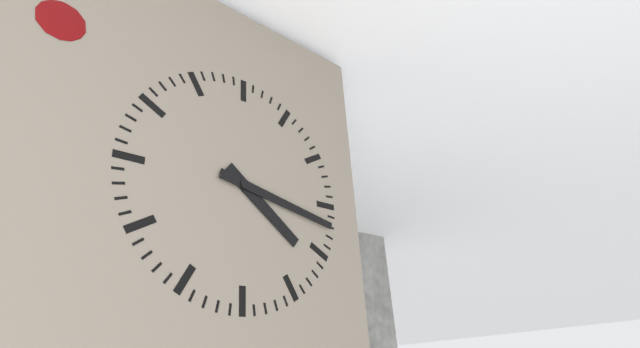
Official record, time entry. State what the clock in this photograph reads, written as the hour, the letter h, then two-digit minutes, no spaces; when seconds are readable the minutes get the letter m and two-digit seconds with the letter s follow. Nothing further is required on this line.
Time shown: 4h17
